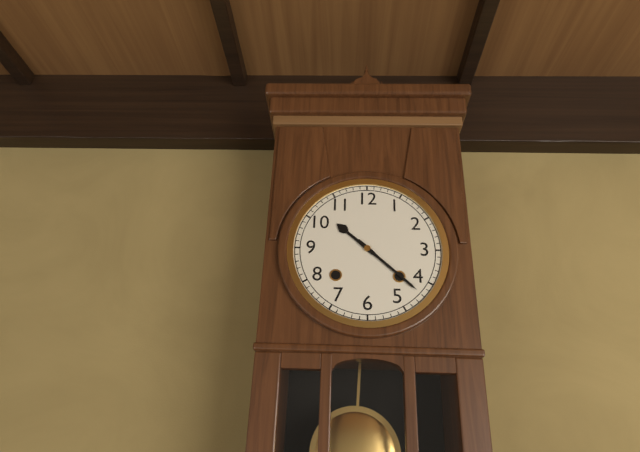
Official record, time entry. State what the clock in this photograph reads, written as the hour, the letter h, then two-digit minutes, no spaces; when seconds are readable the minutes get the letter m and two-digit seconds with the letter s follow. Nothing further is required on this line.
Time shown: 10h22
